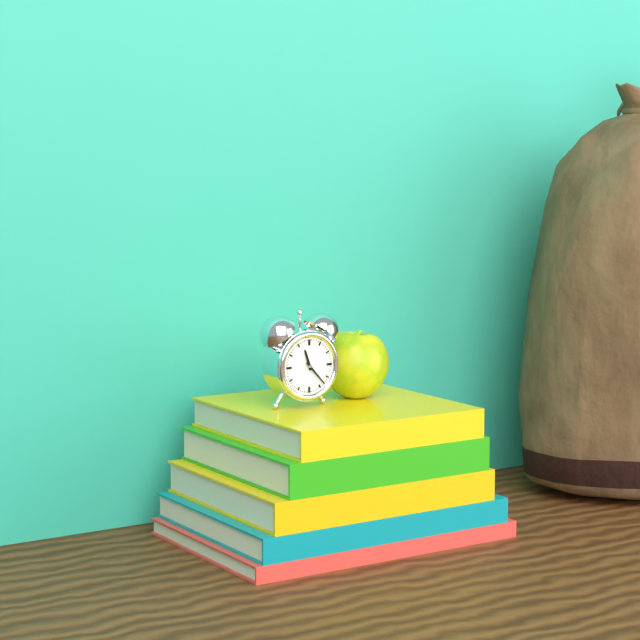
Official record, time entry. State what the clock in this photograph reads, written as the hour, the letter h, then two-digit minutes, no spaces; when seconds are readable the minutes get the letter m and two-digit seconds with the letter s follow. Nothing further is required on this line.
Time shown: 11h23
